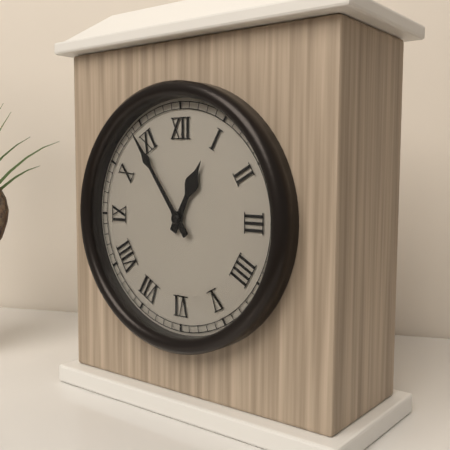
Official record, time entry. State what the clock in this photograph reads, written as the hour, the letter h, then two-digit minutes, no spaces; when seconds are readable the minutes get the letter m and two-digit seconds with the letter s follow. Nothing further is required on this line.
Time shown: 12h54
